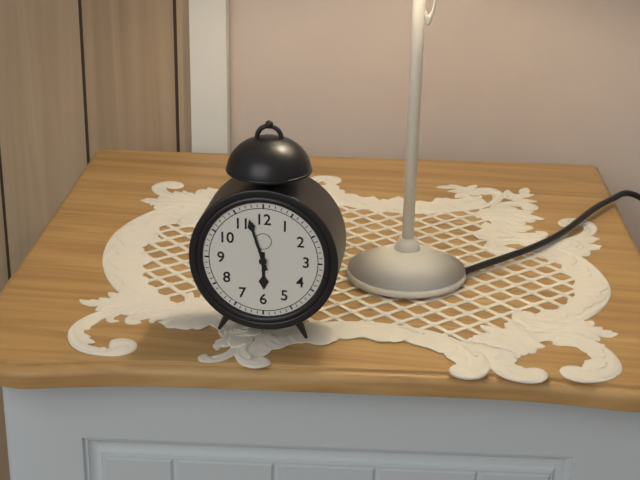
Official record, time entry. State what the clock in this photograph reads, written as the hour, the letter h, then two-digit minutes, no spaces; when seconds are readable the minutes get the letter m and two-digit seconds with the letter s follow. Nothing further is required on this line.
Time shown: 5h57
